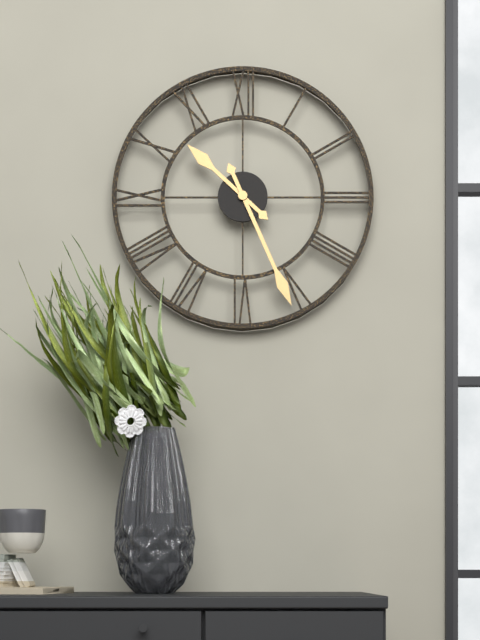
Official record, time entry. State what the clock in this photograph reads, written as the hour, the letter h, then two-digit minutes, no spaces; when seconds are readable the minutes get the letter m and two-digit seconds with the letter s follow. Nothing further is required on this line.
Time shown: 10h26
